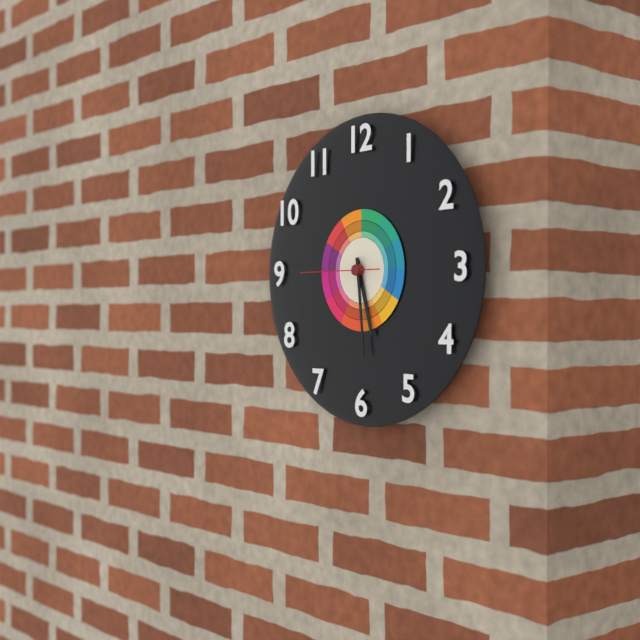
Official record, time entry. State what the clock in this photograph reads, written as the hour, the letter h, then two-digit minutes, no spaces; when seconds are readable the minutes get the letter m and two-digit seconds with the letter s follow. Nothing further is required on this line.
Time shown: 5h29m45s
